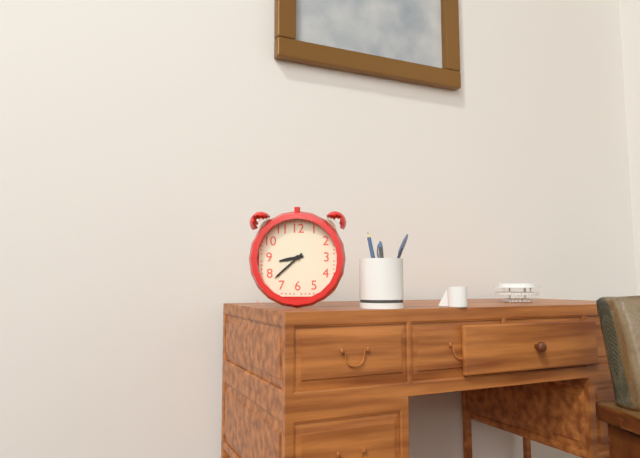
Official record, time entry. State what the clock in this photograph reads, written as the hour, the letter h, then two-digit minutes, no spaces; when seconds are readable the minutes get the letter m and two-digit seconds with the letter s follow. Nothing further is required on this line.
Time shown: 8h38
